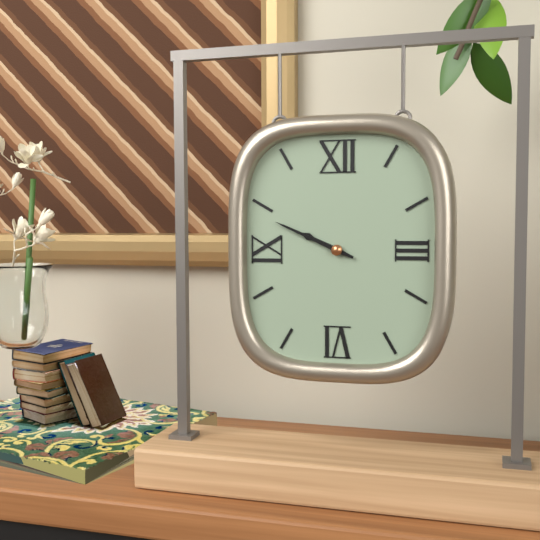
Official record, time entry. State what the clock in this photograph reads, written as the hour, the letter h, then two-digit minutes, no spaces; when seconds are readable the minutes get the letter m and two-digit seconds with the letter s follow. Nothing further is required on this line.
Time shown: 9h49
